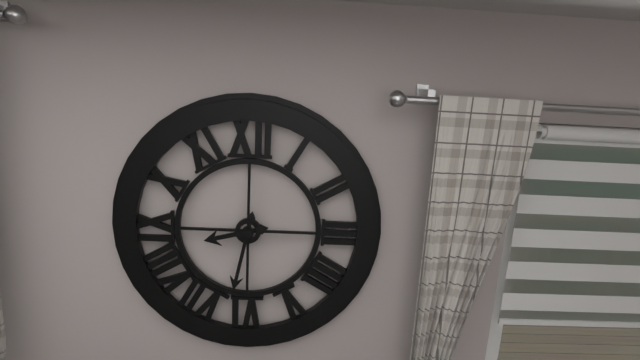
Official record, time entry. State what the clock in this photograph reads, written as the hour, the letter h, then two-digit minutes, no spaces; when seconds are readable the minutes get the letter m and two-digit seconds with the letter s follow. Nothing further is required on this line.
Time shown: 8h32
